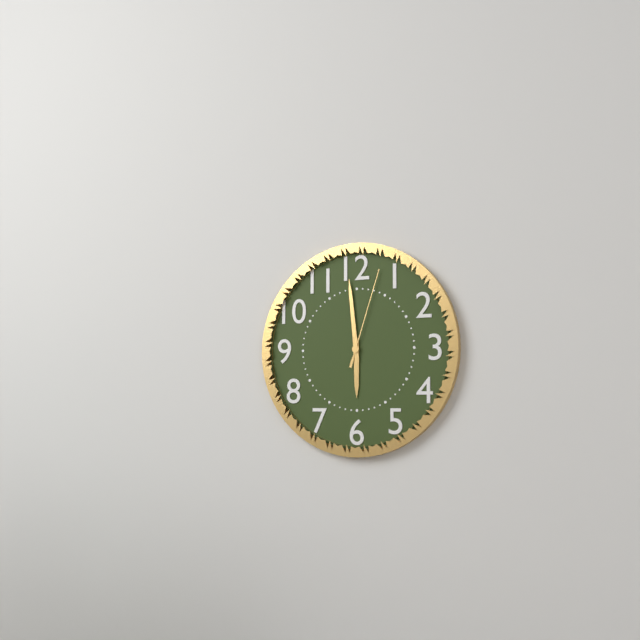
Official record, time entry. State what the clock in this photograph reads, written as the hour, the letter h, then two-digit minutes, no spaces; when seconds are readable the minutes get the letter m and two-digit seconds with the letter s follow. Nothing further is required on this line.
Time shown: 5h59m03s
